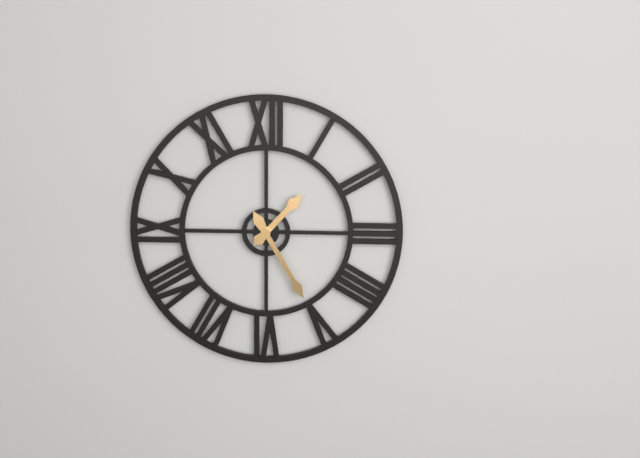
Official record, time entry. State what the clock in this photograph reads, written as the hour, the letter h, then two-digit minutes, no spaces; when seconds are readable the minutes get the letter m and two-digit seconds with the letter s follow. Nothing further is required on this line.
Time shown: 1h25
